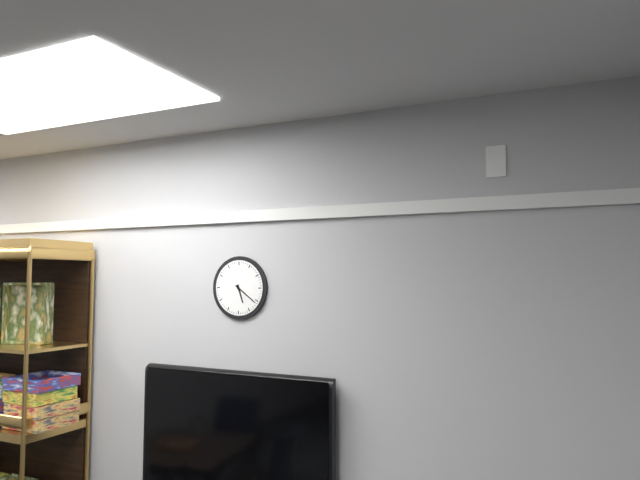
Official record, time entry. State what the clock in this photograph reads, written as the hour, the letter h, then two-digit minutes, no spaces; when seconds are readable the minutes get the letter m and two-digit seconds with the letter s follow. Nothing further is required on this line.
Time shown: 5h21
